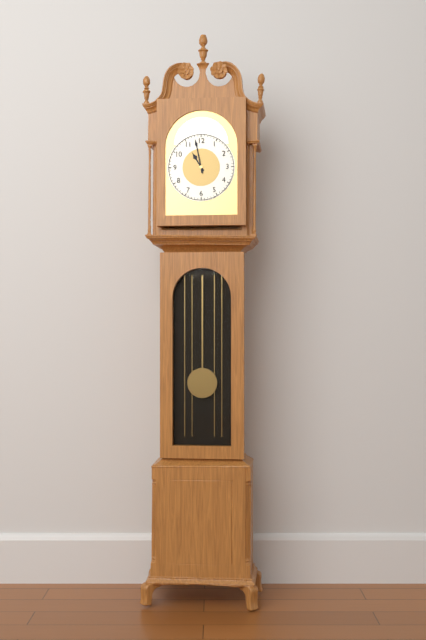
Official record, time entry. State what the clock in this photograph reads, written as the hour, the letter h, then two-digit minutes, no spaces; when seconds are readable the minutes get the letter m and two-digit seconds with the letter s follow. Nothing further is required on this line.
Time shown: 10h58
